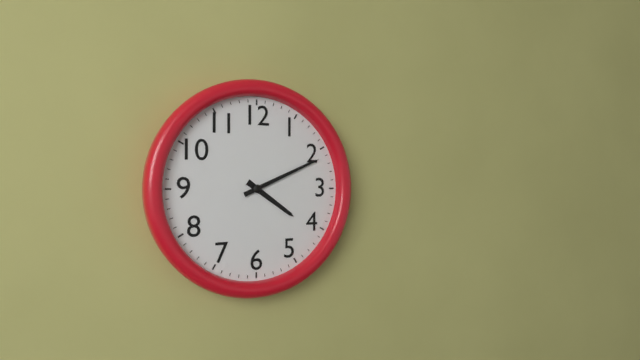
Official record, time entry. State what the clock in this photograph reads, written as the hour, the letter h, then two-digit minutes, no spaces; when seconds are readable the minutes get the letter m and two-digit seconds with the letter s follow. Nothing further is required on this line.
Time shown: 4h11
